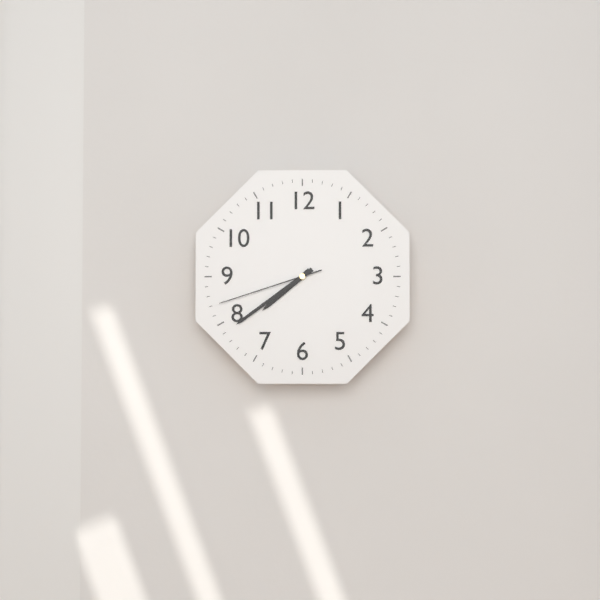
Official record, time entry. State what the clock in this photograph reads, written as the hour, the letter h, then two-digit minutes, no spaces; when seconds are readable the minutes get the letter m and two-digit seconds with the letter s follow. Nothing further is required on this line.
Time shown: 7h39m42s
